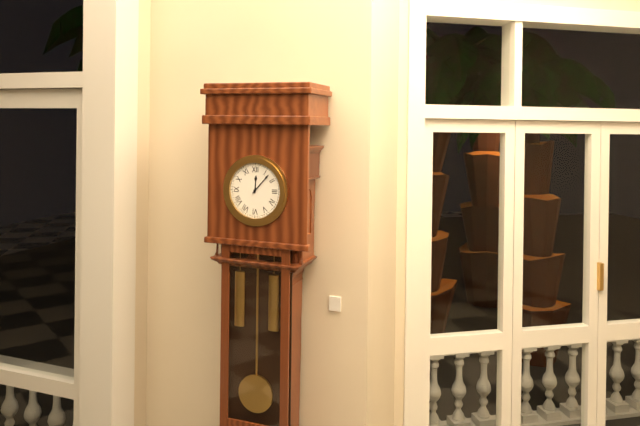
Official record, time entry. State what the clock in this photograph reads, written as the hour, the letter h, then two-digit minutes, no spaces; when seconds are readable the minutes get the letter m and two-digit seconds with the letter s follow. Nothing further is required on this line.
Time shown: 12h07
